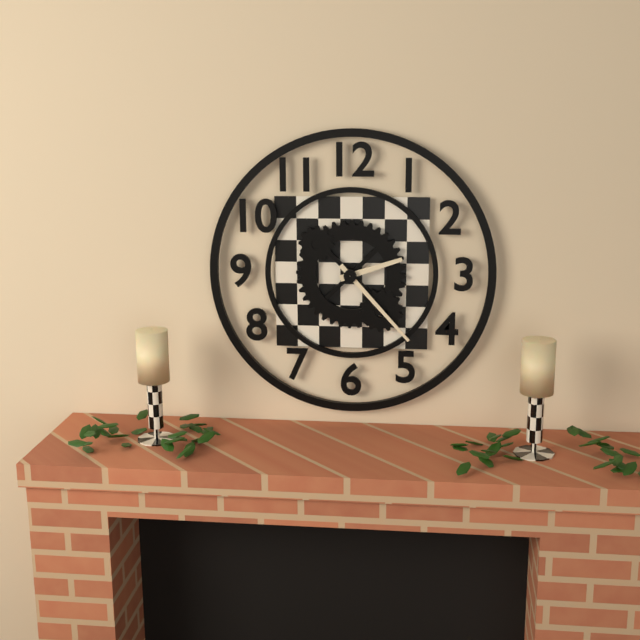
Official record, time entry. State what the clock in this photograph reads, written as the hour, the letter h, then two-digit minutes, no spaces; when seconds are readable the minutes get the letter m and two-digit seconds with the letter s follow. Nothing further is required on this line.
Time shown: 2h23
